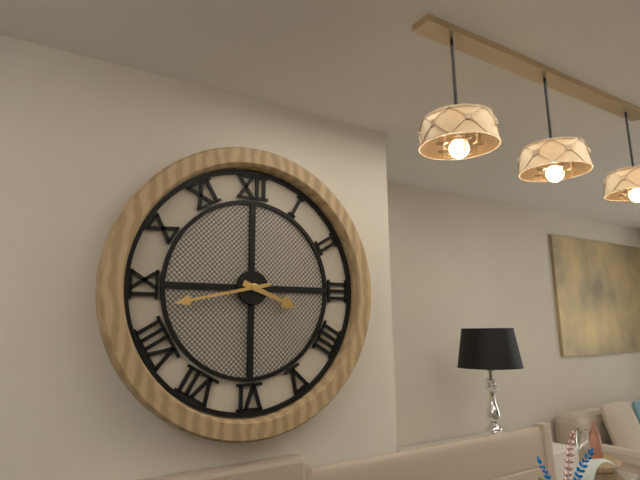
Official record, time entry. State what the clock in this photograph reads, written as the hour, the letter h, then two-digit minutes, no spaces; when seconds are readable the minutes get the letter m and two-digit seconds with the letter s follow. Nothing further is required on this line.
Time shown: 3h43
